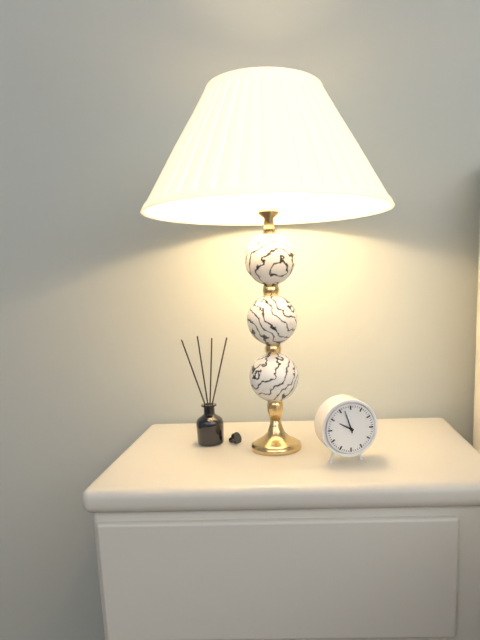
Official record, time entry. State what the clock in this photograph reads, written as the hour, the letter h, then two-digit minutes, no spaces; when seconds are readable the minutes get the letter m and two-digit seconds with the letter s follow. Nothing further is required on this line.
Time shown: 9h57
